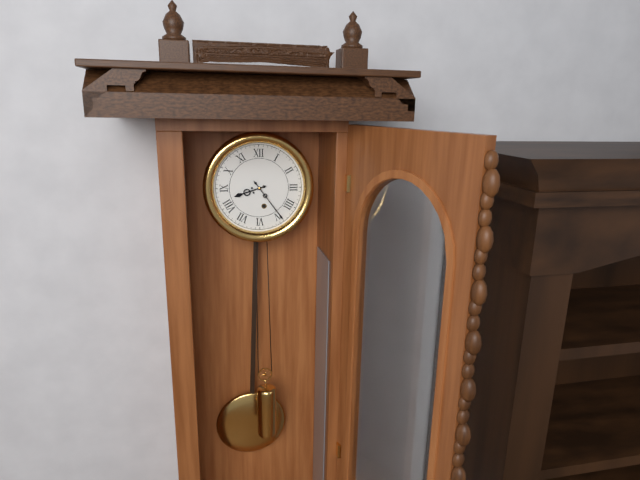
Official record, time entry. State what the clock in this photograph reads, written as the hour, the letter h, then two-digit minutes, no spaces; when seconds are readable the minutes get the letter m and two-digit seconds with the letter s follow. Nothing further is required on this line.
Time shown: 8h24
